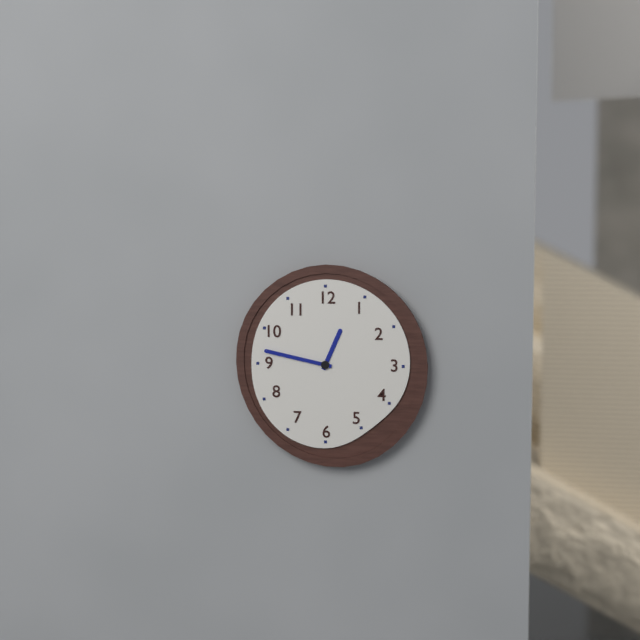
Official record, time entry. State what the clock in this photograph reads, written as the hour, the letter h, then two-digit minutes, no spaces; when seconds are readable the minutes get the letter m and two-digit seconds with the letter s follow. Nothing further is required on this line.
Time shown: 12h47
